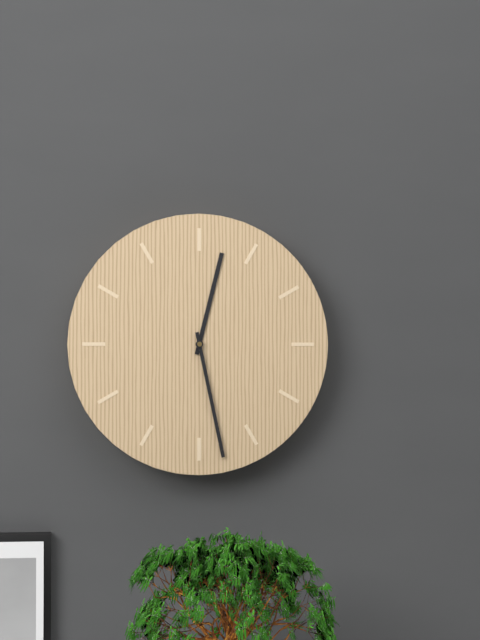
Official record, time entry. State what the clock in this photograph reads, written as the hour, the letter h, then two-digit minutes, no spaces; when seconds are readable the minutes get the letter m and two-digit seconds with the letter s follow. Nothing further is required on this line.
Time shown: 12h28
